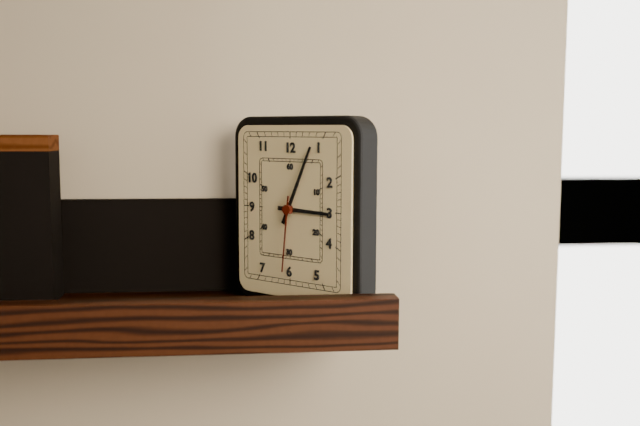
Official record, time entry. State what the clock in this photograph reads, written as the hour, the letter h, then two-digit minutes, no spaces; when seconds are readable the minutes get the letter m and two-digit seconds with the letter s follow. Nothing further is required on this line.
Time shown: 3h04m31s
